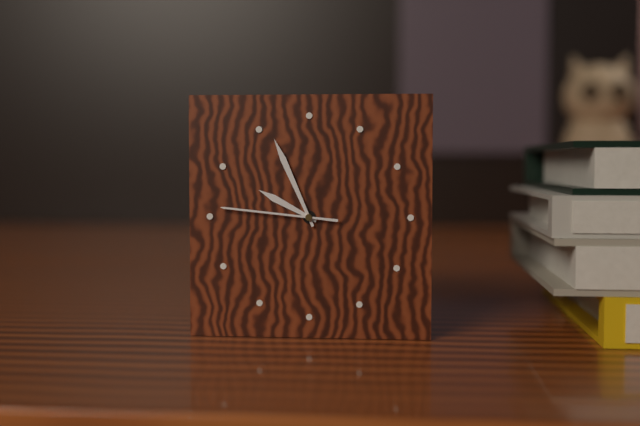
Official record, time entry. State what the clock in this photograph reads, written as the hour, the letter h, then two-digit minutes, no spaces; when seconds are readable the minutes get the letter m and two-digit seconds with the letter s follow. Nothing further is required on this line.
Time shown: 9h56m46s
